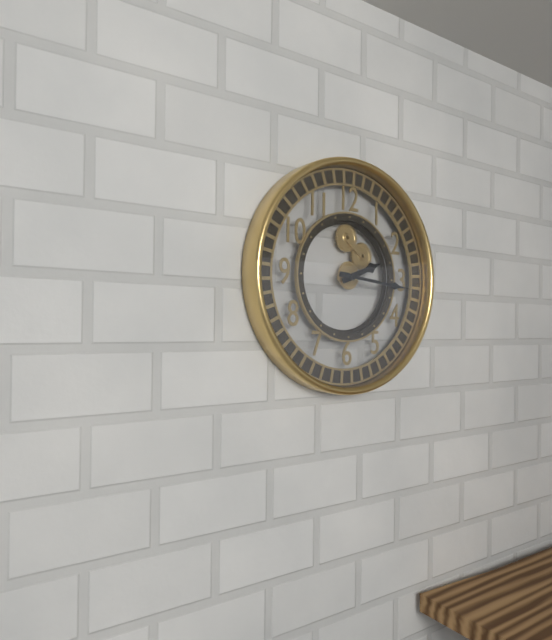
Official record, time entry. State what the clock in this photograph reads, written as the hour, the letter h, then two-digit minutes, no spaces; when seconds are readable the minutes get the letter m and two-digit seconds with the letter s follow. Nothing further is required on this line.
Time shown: 2h16
